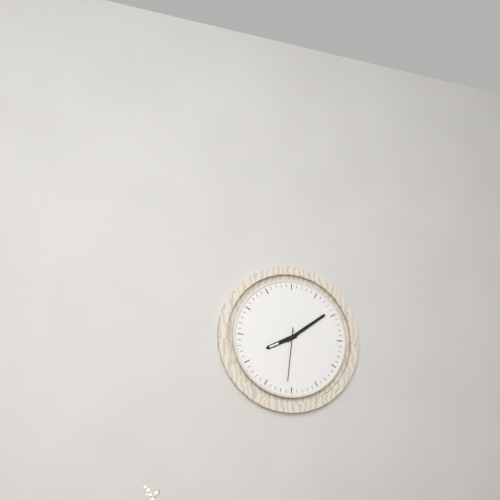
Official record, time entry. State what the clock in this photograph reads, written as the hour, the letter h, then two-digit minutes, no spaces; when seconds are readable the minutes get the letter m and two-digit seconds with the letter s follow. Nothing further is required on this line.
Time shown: 8h09m31s
